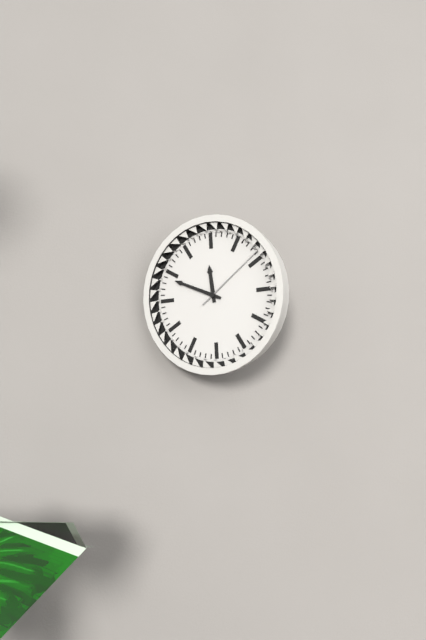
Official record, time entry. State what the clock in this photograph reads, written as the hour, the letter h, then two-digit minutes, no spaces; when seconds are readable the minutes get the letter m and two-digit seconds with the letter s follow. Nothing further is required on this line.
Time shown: 11h49m09s
